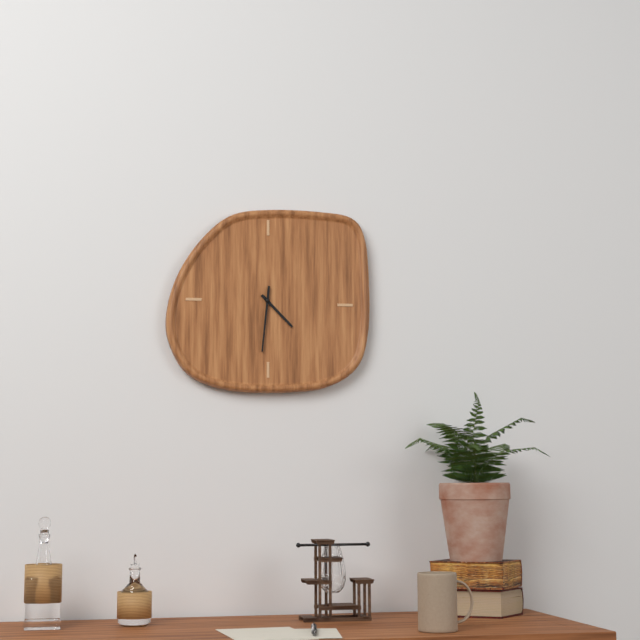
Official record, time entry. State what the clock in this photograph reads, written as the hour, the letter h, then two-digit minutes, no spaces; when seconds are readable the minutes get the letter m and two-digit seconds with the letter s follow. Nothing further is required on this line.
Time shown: 4h31
